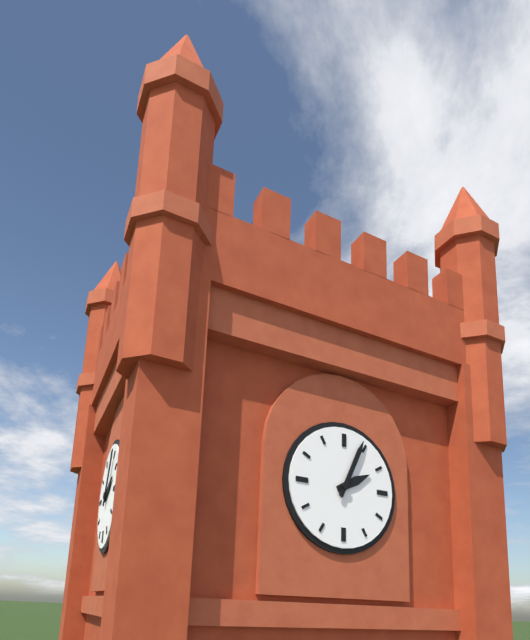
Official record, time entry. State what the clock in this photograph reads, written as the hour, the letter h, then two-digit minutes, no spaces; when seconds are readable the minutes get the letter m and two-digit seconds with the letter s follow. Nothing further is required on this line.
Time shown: 2h04
